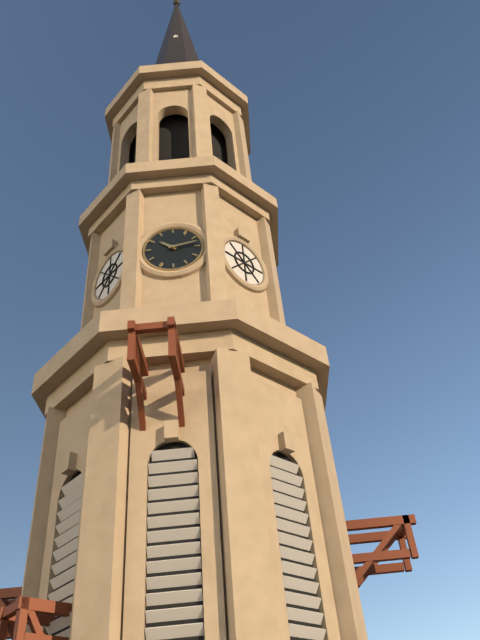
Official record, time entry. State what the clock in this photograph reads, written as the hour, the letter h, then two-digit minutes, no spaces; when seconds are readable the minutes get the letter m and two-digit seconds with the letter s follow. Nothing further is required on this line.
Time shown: 10h13
